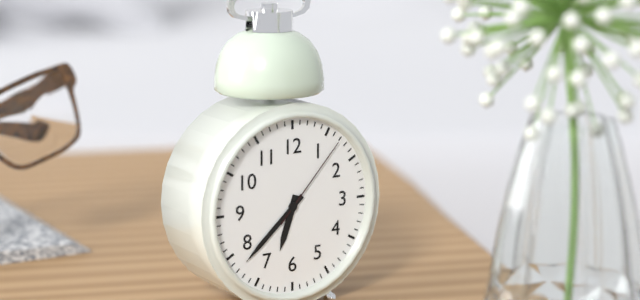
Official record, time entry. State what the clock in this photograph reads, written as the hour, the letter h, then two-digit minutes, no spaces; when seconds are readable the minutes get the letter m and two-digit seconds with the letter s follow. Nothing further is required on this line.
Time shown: 6h38m07s
